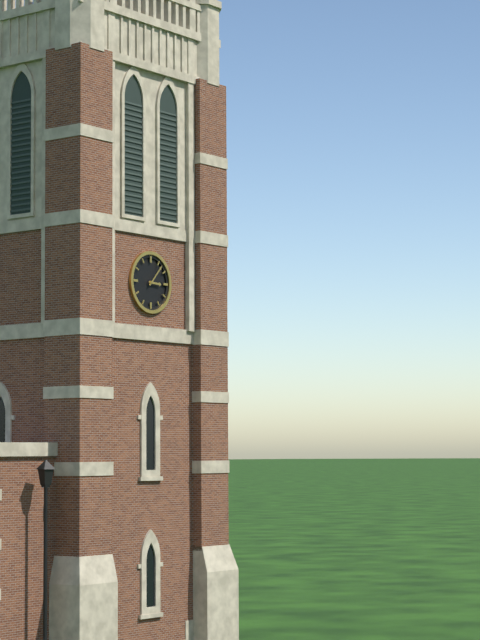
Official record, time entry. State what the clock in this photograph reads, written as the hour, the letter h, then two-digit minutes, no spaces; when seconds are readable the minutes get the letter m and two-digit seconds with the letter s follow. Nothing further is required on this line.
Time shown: 3h07
